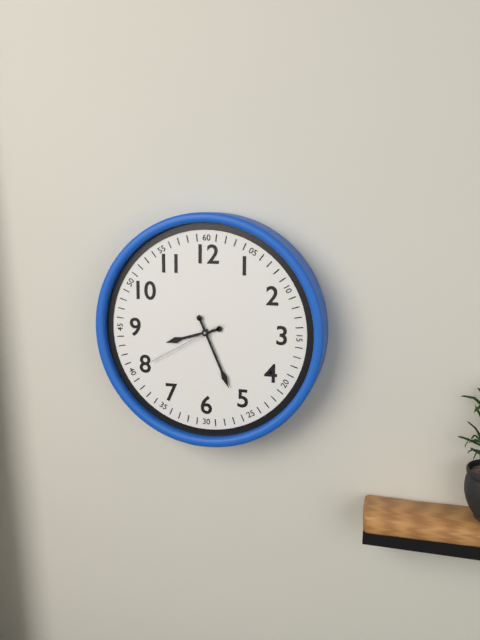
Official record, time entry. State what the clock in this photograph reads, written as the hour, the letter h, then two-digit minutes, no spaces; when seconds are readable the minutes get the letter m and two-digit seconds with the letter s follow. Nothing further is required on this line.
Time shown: 8h26m40s
